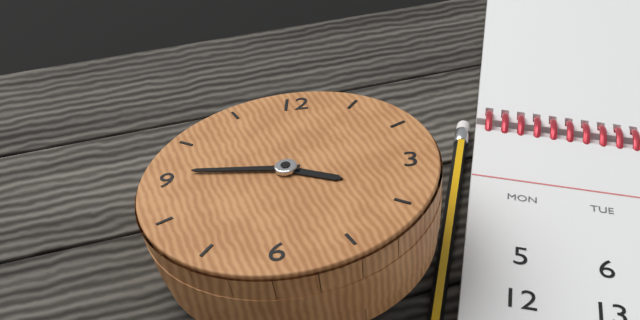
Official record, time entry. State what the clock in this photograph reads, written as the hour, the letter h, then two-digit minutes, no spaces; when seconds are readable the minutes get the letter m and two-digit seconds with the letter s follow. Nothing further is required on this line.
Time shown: 3h46
